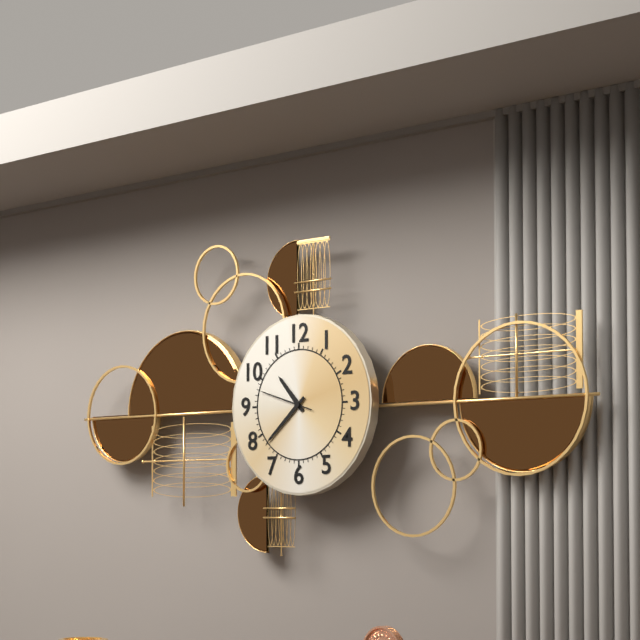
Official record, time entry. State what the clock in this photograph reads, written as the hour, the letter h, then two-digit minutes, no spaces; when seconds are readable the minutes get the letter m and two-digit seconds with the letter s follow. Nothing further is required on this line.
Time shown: 10h38m48s
